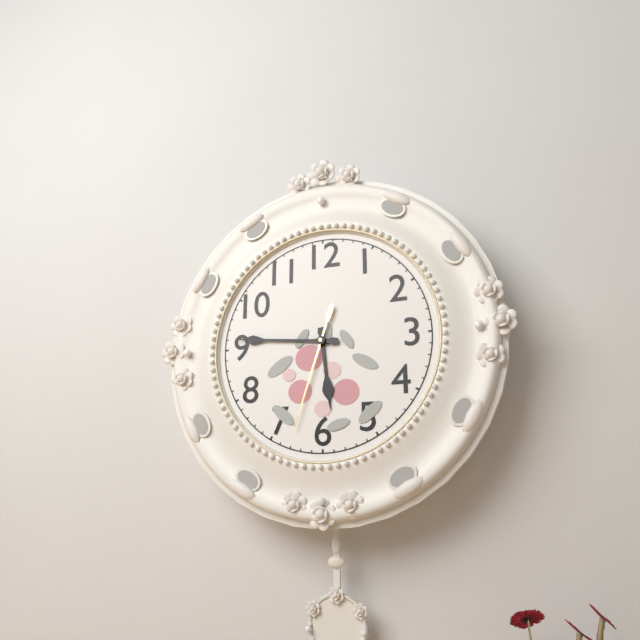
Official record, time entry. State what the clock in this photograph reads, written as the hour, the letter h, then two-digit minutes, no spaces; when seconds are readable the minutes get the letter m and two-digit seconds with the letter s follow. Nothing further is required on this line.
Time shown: 5h46m33s
